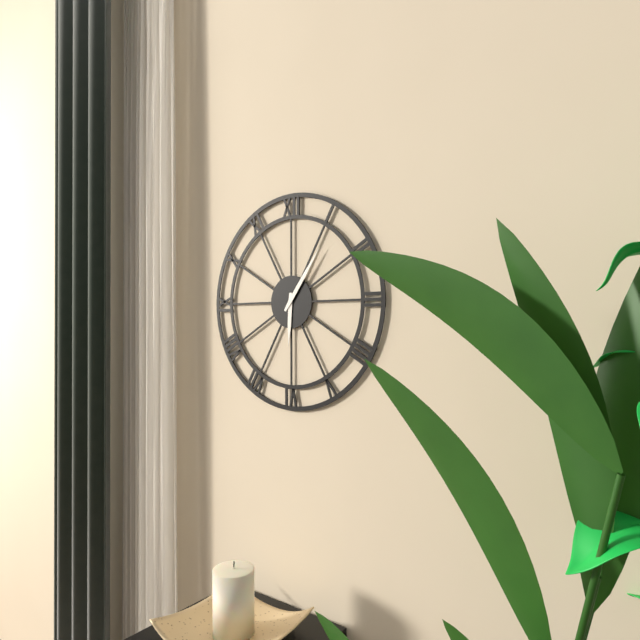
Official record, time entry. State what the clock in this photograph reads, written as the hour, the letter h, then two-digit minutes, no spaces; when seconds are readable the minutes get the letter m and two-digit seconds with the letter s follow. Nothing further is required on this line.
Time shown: 6h06
